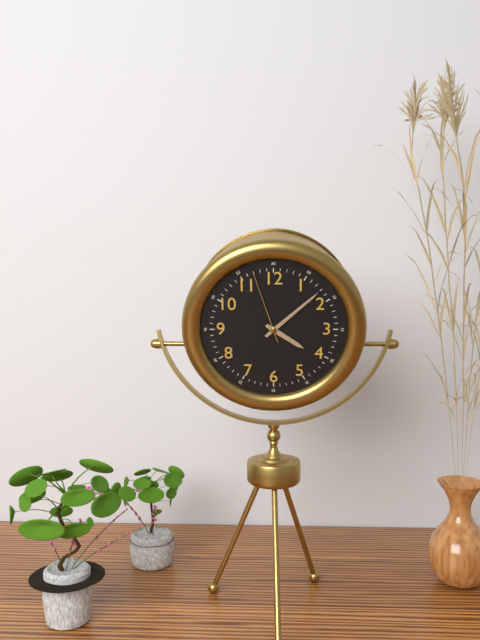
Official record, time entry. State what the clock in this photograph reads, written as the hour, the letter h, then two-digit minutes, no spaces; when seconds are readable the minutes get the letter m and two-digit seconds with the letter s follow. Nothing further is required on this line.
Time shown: 4h08m57s
